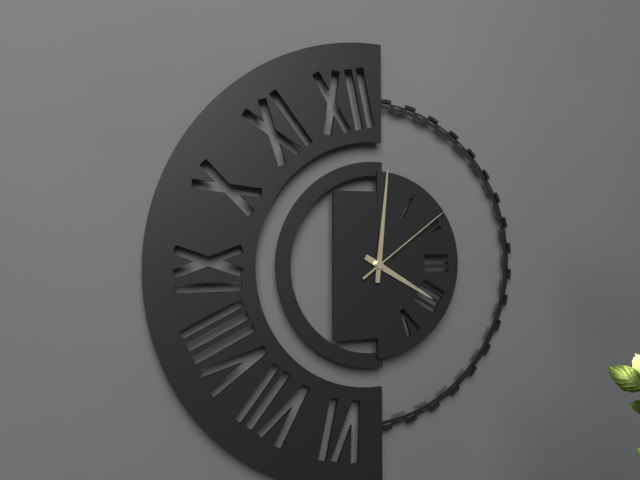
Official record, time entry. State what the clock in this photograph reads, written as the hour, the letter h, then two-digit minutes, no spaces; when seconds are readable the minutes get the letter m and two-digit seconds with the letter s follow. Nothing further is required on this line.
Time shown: 4h01m09s
